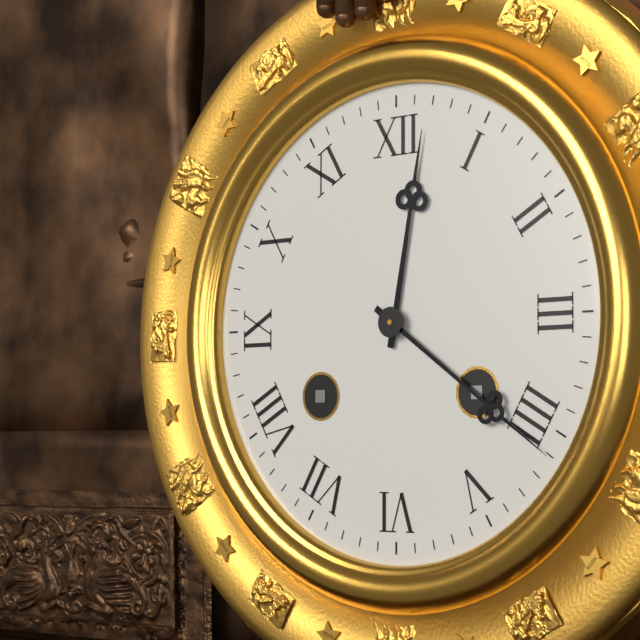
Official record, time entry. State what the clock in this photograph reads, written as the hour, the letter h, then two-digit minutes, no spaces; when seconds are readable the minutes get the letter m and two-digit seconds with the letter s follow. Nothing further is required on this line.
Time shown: 12h21
